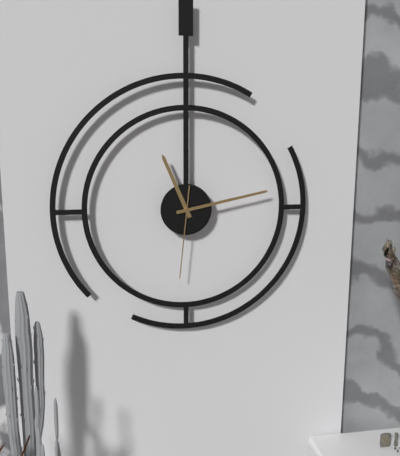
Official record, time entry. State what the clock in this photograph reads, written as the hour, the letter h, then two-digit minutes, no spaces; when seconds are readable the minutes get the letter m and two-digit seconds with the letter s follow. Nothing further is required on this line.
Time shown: 11h13m31s
